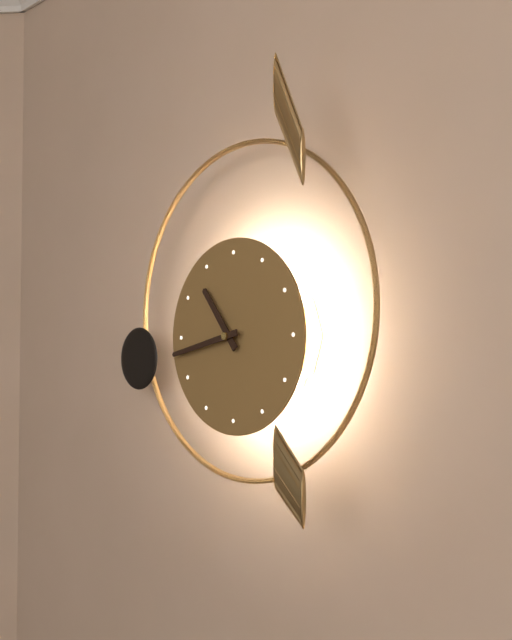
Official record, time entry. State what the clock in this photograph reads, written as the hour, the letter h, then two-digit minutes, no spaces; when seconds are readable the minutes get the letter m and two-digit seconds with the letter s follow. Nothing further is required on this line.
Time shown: 10h43
